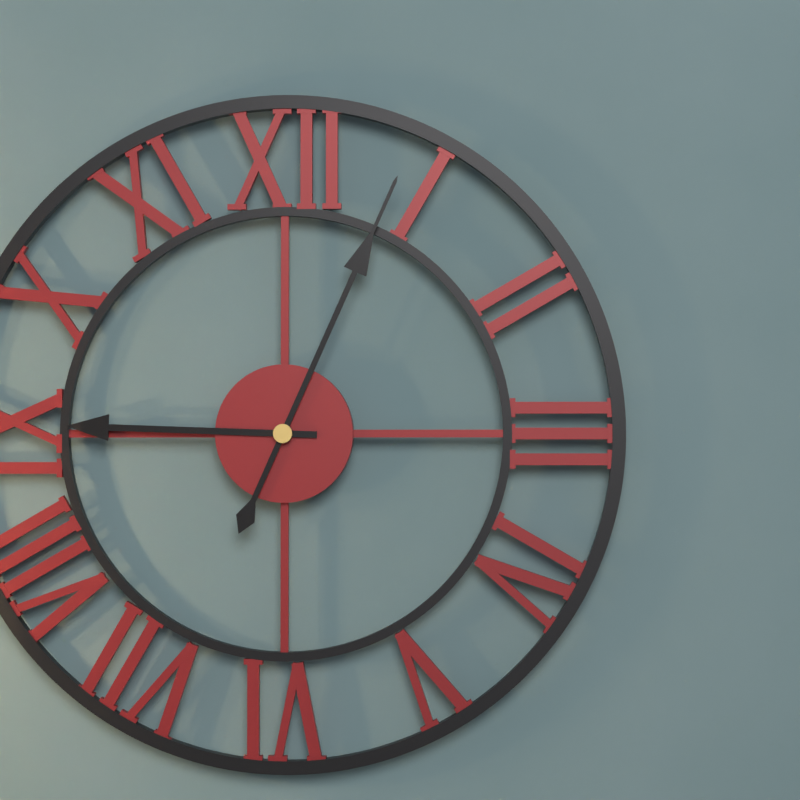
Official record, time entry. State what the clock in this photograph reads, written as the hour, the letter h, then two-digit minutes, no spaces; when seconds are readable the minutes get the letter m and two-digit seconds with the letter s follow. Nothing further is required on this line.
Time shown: 9h04
